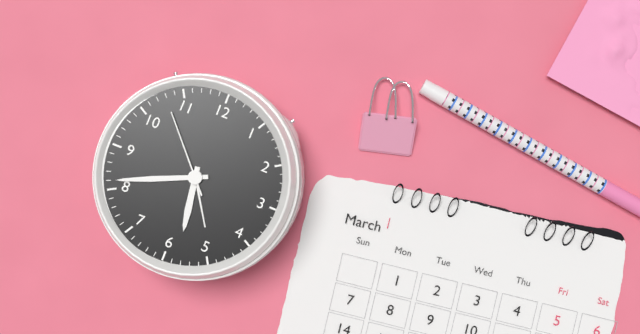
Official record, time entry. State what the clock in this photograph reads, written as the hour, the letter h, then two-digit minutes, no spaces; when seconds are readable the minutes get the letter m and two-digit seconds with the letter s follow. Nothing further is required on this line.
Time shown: 5h41m53s
